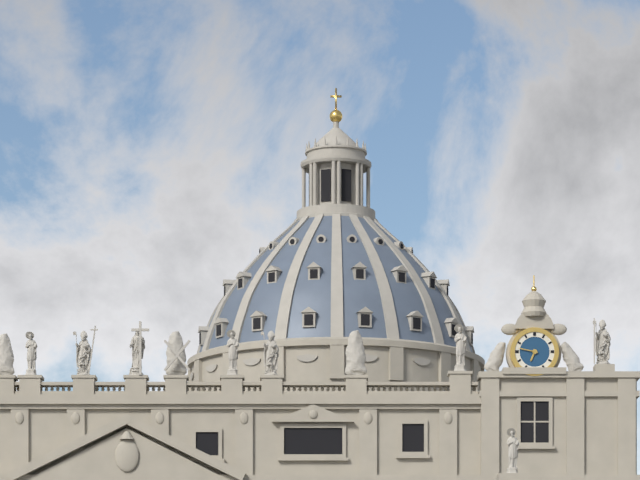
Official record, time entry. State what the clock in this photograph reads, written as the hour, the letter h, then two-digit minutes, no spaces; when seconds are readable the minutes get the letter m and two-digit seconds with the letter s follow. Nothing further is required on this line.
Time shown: 6h47
